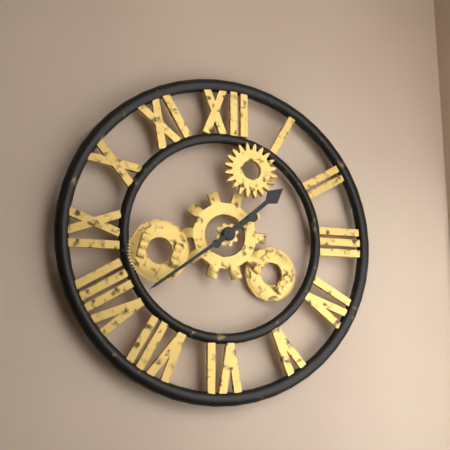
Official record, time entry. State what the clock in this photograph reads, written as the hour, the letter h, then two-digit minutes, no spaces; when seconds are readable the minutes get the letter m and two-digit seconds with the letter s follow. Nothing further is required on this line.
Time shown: 1h39
